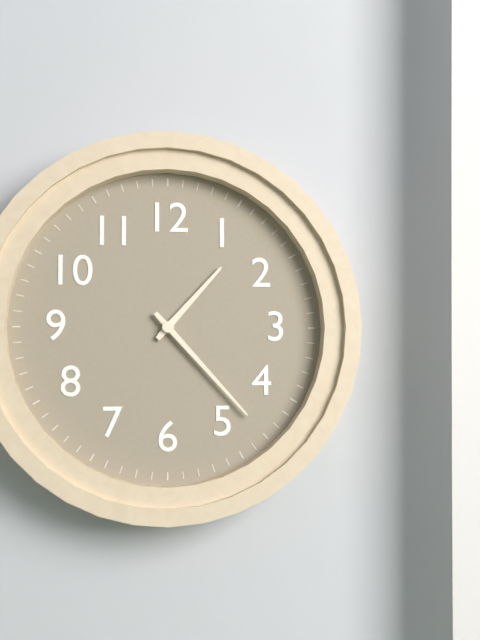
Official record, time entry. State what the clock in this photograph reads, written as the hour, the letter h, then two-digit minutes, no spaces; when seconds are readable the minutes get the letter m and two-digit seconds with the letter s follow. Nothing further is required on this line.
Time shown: 1h23
